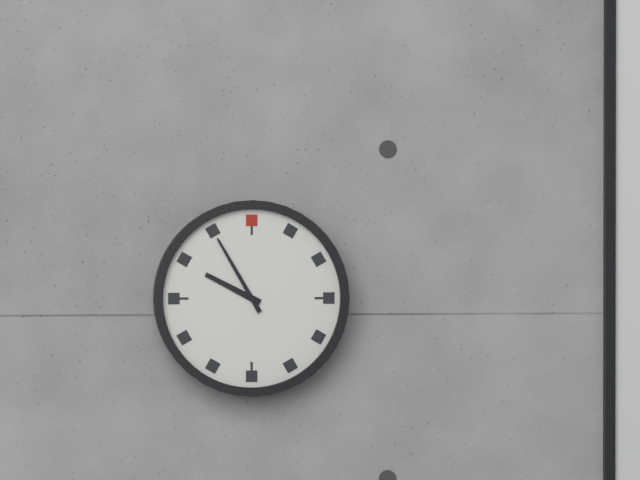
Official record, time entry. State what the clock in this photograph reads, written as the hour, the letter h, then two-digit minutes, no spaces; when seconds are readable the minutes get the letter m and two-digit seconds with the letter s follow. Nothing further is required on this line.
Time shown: 9h55
